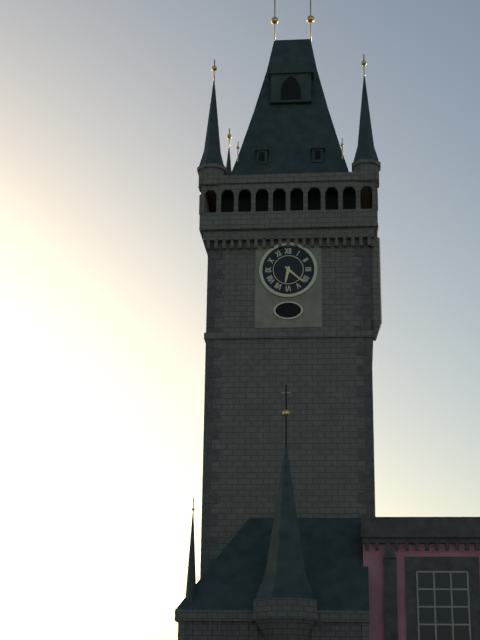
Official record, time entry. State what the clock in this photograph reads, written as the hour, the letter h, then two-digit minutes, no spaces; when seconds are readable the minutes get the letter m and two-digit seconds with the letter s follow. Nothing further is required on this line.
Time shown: 6h22
